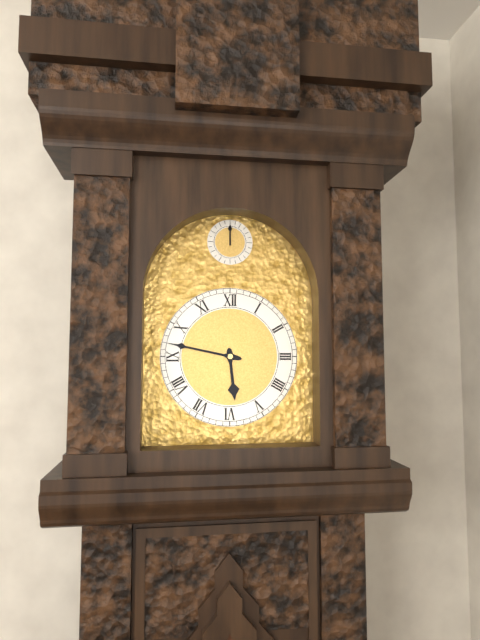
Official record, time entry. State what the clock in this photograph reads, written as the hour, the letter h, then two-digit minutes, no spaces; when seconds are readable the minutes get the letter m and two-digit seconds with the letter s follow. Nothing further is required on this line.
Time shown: 5h47
